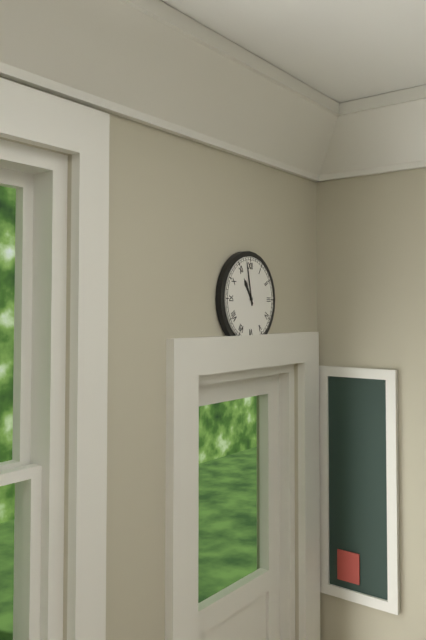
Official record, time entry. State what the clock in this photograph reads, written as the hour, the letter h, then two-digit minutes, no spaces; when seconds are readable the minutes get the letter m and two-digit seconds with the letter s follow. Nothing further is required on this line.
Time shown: 10h58
